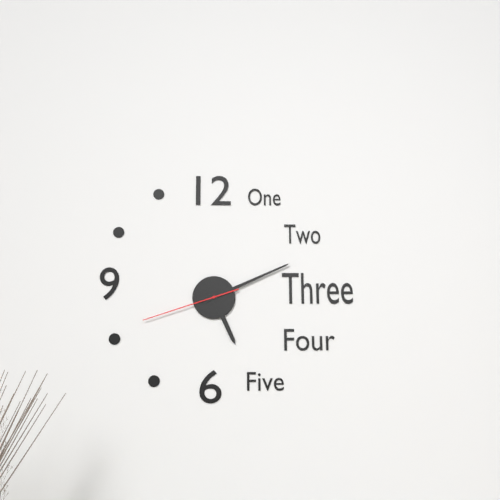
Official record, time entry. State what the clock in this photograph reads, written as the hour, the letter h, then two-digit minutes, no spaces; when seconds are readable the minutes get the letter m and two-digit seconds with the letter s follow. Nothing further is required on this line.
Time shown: 5h11m42s
